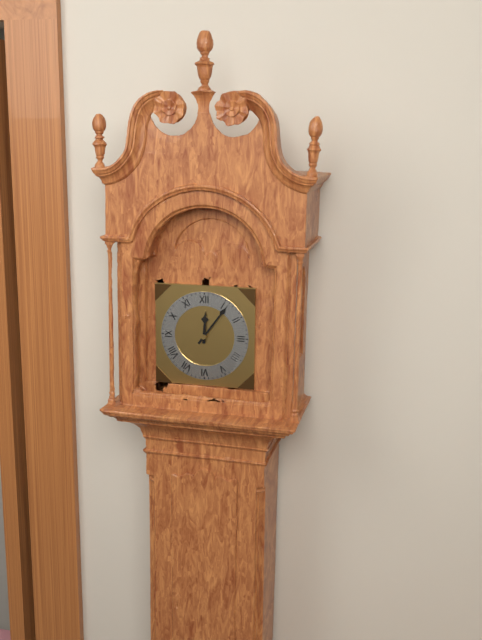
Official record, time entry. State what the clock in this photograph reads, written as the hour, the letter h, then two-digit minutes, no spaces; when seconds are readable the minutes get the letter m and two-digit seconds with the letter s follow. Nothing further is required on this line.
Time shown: 12h06
